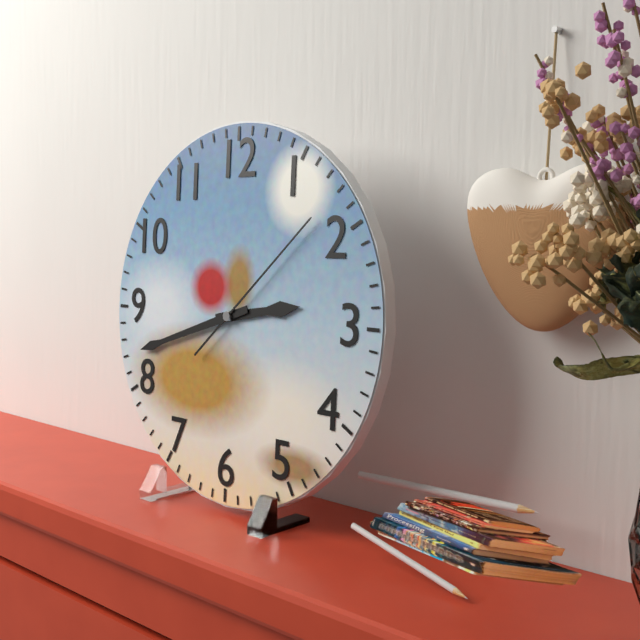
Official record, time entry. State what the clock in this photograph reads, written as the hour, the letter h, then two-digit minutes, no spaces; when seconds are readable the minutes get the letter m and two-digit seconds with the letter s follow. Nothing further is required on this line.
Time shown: 2h42m08s
